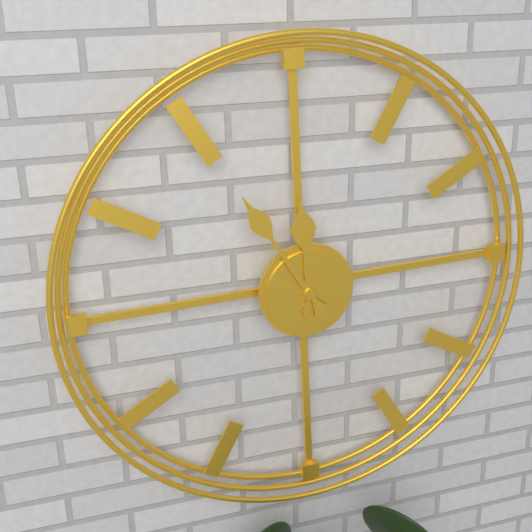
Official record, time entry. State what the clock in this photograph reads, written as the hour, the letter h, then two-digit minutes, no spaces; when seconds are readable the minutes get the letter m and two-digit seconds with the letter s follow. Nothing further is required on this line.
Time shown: 11h55
